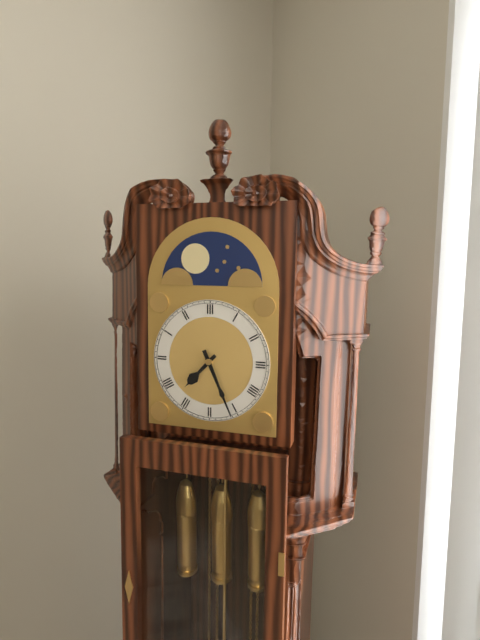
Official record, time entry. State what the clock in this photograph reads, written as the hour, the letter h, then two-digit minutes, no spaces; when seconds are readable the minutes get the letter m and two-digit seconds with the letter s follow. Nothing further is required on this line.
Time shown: 7h26
